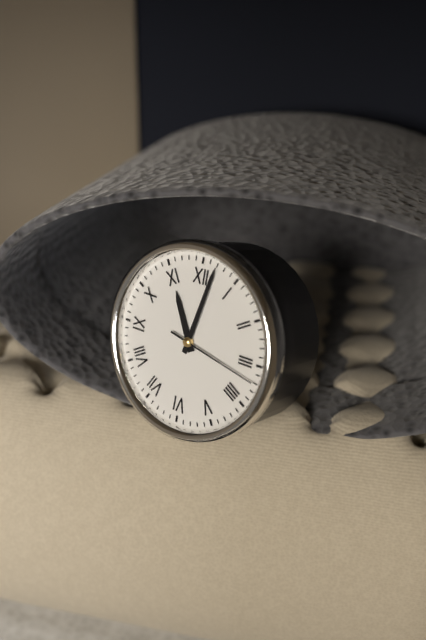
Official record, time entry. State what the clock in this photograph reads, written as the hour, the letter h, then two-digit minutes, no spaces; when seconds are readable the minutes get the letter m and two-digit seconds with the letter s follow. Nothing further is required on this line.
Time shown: 11h02m17s
